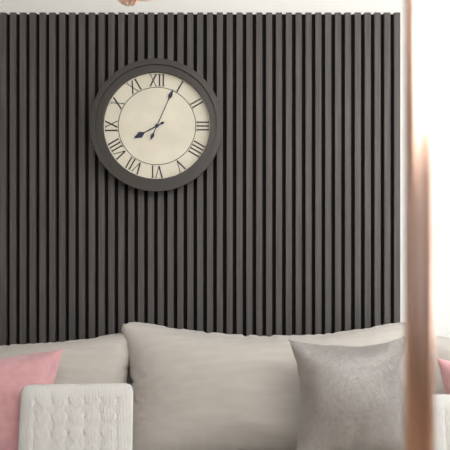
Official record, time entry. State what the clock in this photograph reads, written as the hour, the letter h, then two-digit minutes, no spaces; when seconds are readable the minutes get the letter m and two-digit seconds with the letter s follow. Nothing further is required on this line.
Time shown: 8h04
